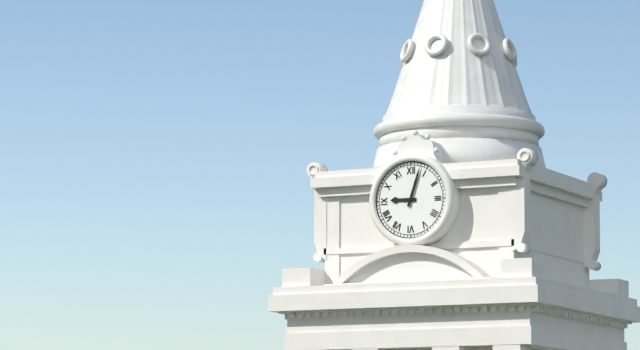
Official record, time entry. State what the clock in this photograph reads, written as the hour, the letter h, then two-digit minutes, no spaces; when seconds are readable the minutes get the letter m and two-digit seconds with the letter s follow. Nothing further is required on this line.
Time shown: 9h03
